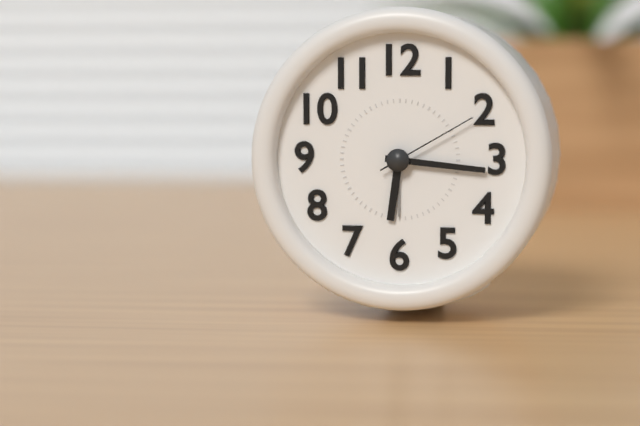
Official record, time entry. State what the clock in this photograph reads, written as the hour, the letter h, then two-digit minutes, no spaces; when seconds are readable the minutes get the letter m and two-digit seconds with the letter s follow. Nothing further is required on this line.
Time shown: 6h16m10s
